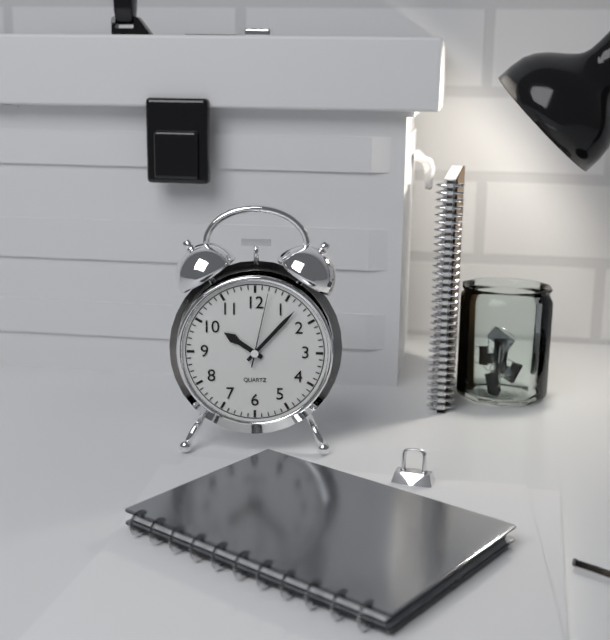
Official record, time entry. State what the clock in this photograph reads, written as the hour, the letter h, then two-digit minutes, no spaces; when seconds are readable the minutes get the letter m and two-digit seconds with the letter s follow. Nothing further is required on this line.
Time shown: 10h07m02s
